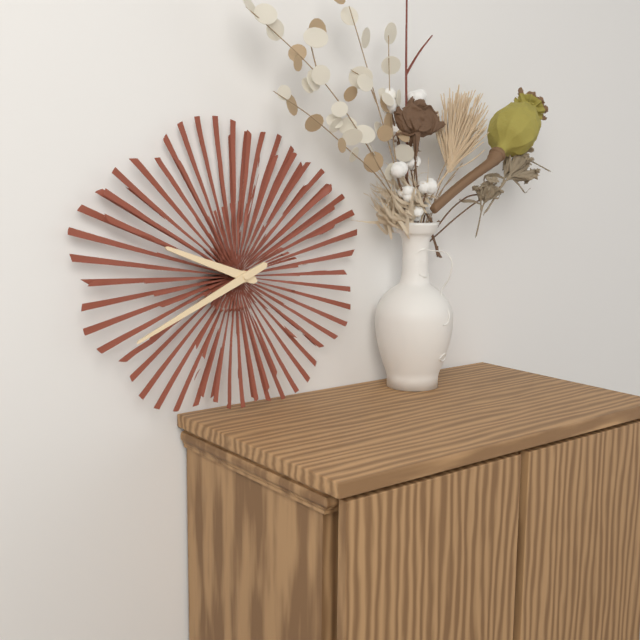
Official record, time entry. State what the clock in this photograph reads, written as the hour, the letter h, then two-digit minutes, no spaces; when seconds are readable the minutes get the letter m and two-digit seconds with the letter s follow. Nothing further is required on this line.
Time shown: 9h41
